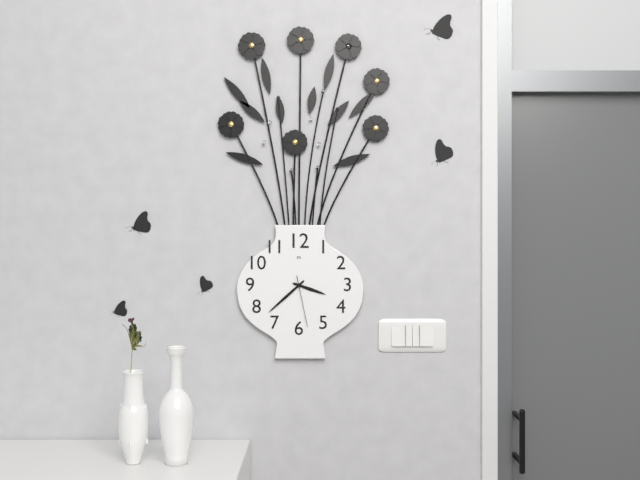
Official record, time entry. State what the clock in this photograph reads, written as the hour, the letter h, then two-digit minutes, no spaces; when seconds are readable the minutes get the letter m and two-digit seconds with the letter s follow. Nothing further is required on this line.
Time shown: 3h38m28s
